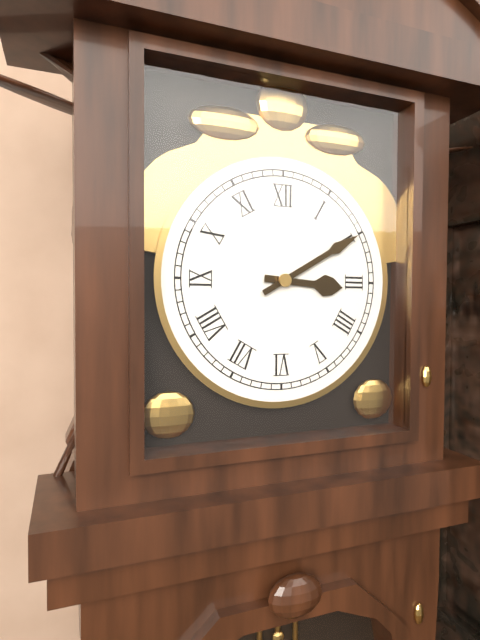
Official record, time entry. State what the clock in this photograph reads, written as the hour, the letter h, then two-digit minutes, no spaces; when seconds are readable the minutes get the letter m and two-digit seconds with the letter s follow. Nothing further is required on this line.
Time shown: 3h10
